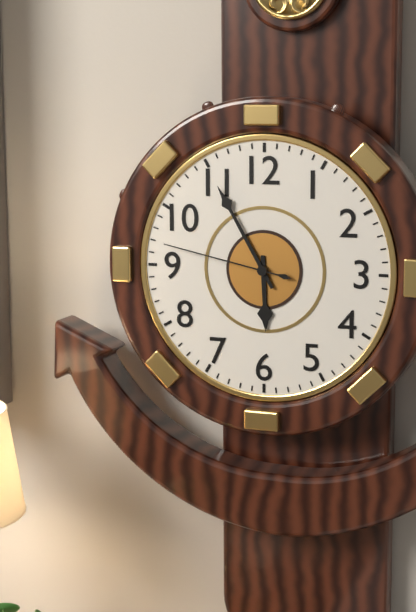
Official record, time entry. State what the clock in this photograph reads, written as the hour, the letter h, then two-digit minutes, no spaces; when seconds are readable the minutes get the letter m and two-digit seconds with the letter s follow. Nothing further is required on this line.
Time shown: 5h55m47s
